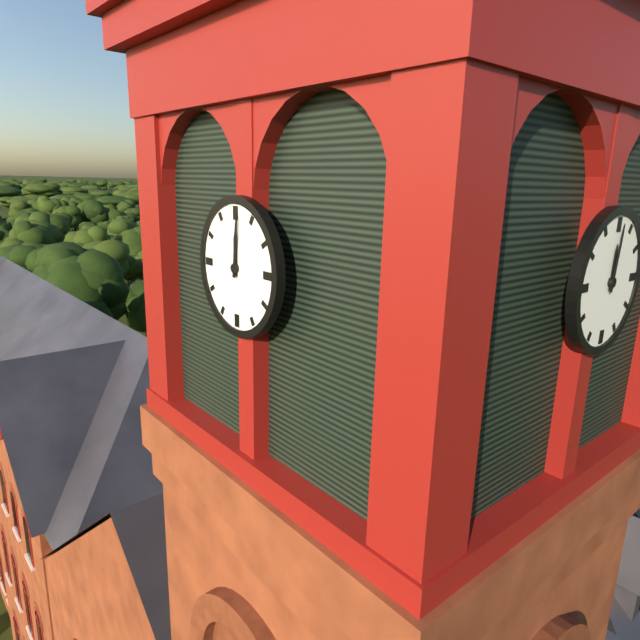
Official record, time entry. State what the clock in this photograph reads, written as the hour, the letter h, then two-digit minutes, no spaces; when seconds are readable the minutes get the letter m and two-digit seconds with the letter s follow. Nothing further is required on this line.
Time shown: 12h01
